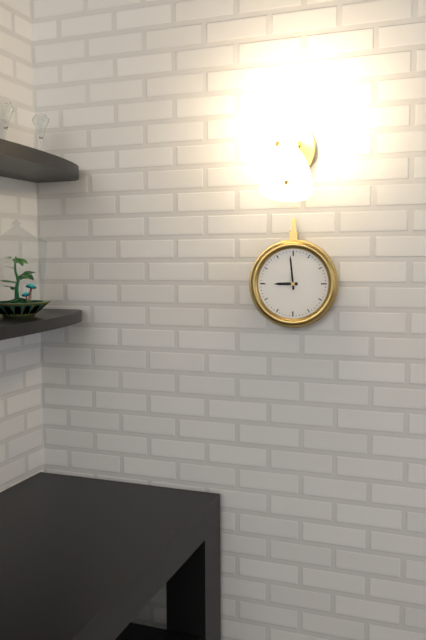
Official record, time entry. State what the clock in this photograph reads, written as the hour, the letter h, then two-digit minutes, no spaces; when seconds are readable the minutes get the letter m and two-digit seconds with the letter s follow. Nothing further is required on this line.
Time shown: 8h59
